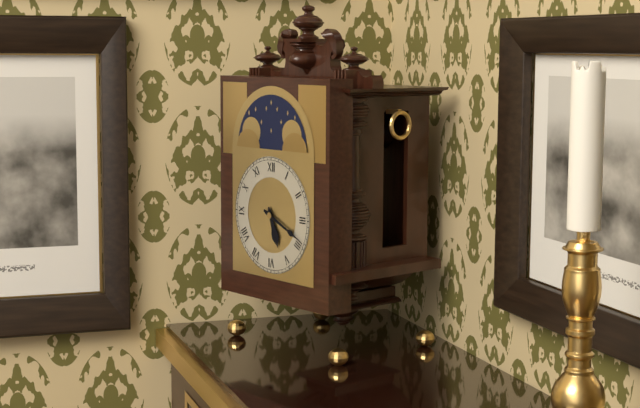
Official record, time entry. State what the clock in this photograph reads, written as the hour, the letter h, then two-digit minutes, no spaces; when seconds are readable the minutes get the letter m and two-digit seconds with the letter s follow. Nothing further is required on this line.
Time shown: 5h19
